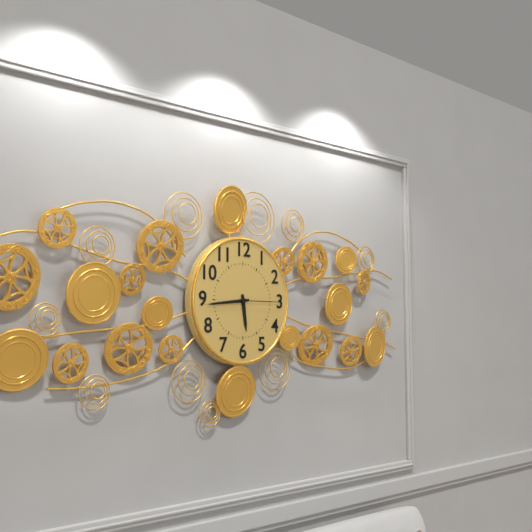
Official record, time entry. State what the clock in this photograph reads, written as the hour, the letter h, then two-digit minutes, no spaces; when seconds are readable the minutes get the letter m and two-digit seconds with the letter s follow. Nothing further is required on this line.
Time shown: 5h44
